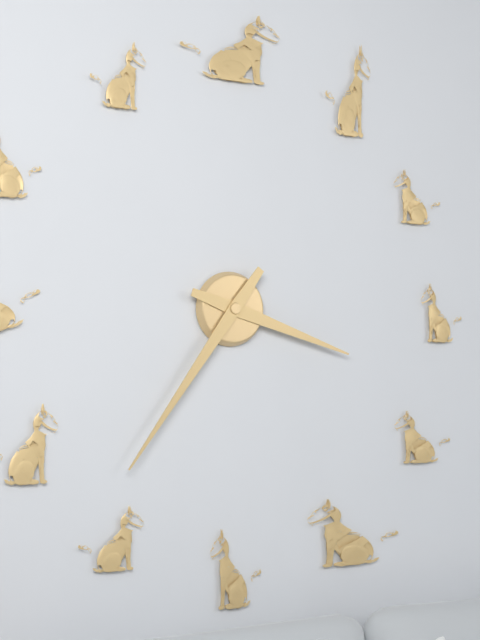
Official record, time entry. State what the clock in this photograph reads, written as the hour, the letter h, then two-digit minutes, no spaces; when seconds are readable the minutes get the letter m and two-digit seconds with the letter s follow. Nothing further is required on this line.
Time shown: 3h36
